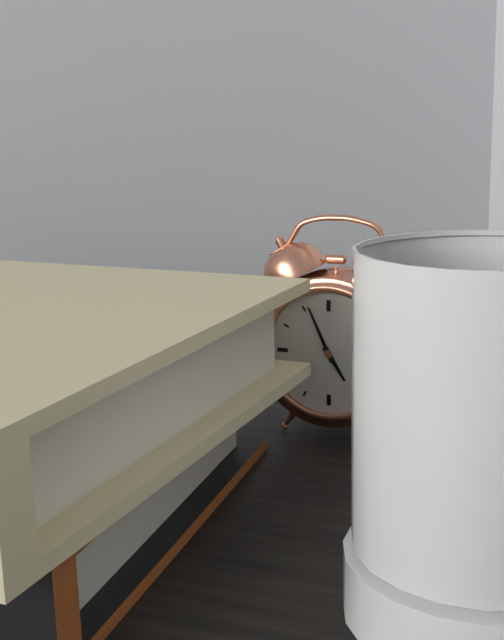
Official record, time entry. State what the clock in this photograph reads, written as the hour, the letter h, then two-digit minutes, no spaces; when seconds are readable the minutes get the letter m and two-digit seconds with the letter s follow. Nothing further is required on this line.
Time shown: 4h56
